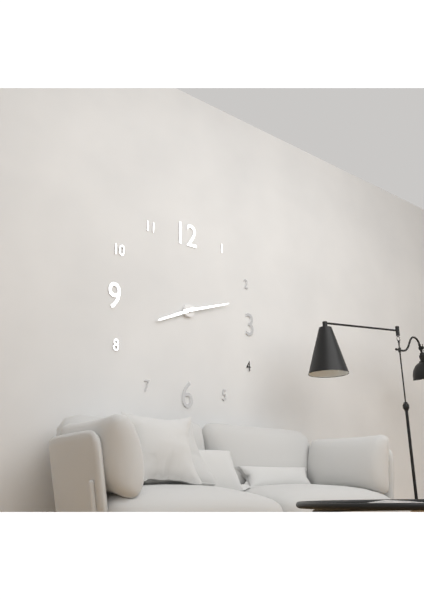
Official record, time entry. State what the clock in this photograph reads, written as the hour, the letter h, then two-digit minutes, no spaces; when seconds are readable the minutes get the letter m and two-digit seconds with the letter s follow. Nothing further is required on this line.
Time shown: 8h12
